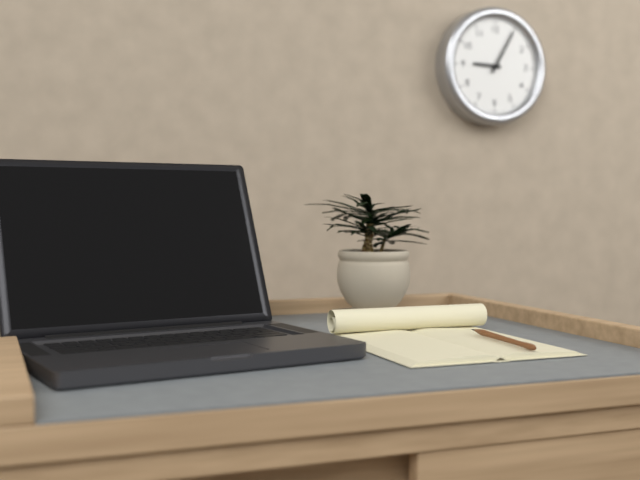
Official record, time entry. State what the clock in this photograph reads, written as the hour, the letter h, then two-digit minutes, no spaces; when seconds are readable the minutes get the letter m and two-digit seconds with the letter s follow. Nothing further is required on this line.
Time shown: 9h05
